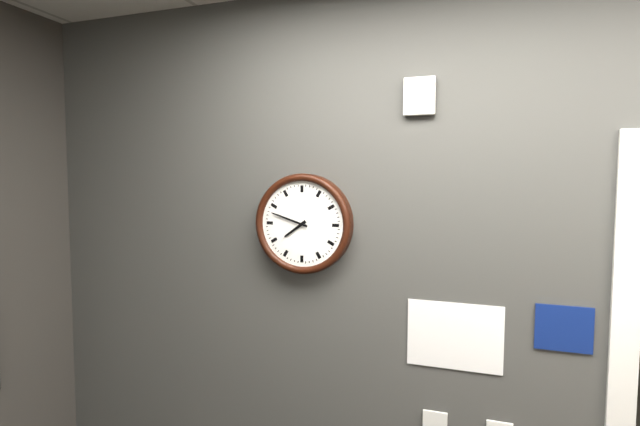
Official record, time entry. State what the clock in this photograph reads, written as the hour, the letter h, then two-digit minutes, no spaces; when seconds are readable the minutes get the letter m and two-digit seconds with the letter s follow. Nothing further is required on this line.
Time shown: 7h48
